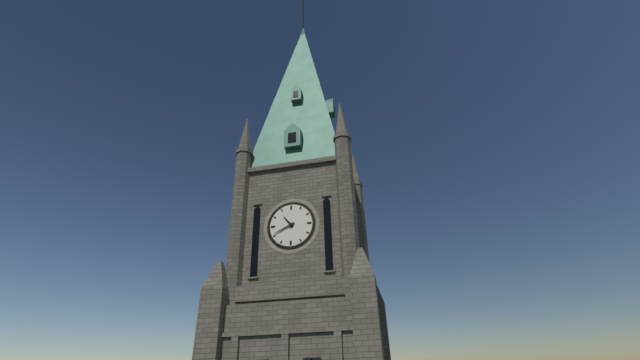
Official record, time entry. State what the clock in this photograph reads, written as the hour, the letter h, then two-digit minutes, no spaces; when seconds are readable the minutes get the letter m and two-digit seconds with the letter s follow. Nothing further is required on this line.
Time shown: 10h41
